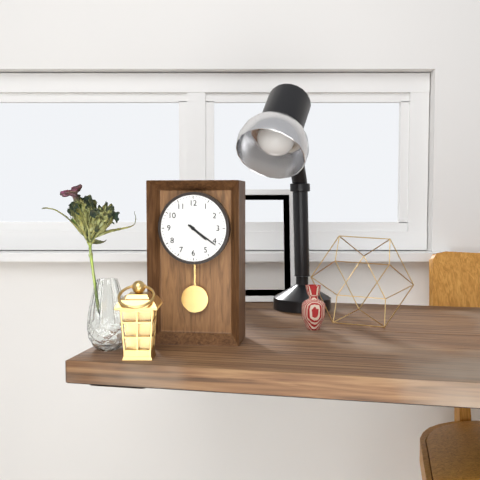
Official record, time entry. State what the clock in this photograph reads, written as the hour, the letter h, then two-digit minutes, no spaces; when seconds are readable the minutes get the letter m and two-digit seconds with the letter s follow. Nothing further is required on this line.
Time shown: 4h21
